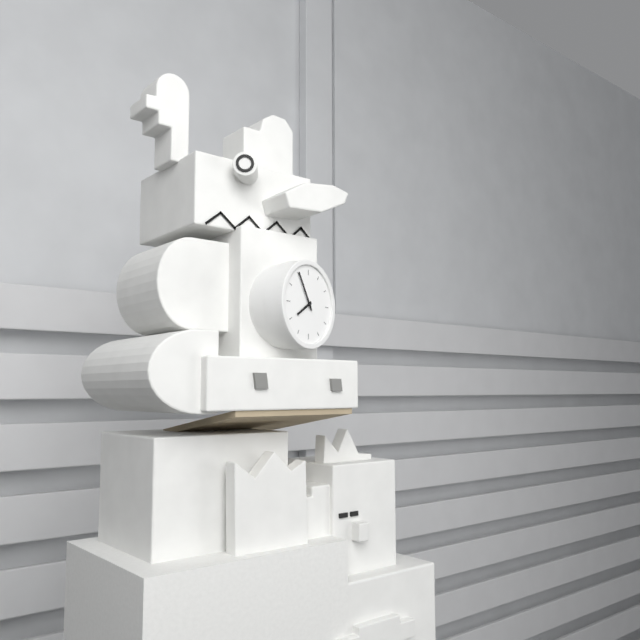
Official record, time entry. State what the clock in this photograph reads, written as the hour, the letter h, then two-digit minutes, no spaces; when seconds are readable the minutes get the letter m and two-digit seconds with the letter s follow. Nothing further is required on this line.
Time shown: 7h55
